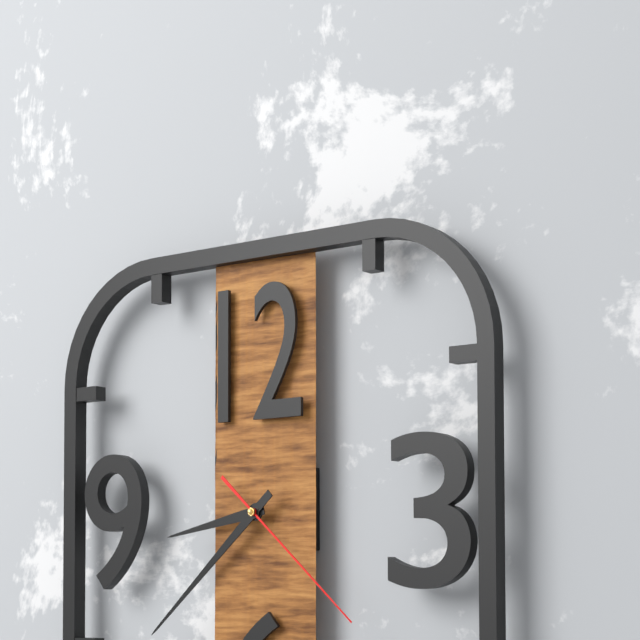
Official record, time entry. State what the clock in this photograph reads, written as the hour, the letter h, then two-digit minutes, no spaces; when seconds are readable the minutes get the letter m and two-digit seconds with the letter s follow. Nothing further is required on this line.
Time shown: 8h38m22s
